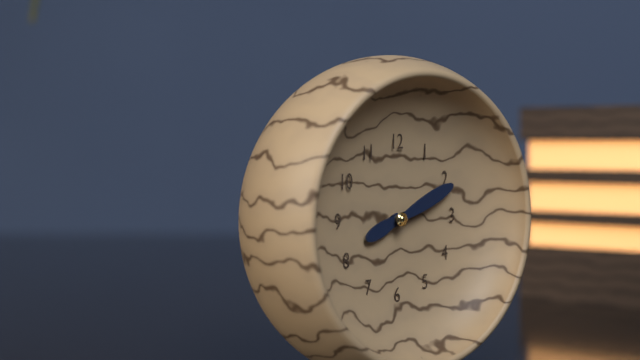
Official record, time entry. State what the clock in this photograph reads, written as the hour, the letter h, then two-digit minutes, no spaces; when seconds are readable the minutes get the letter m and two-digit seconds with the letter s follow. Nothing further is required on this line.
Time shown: 8h11
